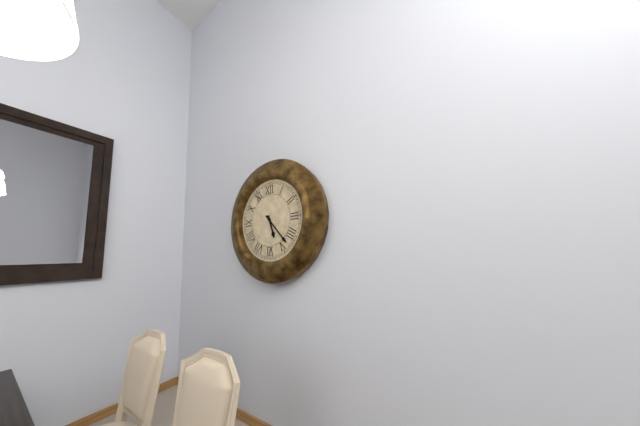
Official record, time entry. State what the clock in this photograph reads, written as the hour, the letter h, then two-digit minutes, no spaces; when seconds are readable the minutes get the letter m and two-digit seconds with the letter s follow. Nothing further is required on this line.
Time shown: 5h23
